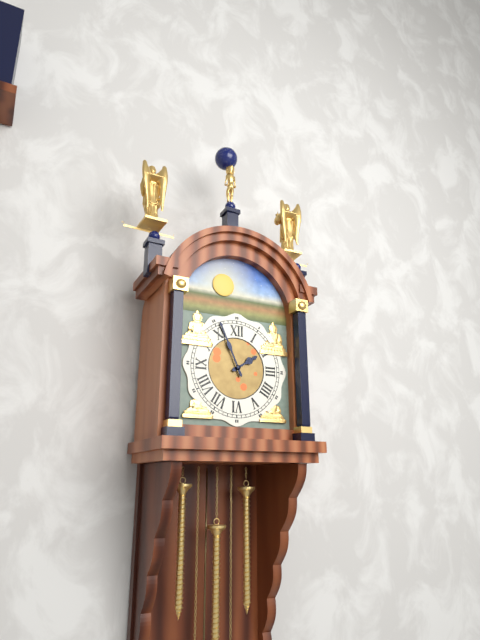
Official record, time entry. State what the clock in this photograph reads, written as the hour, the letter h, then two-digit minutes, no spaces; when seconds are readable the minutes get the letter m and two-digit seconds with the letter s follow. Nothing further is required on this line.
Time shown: 1h56
